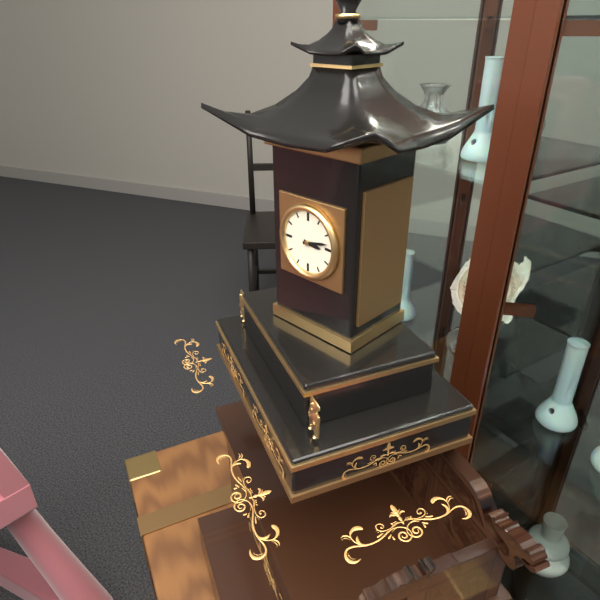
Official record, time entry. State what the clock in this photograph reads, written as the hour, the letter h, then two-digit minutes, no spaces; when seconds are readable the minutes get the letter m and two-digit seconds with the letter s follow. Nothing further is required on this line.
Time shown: 3h13
